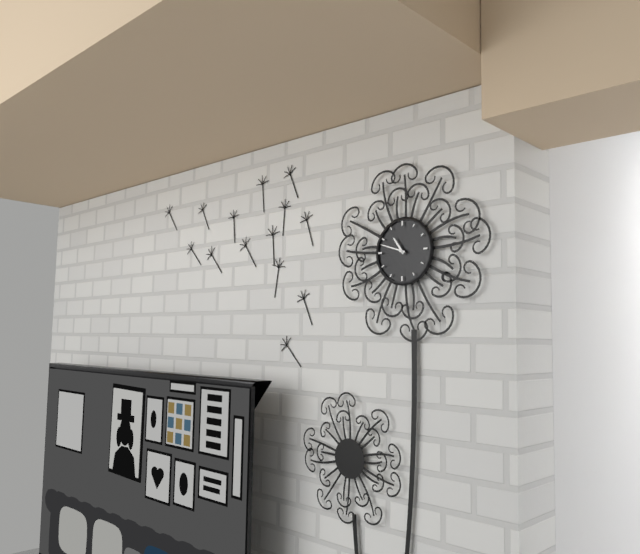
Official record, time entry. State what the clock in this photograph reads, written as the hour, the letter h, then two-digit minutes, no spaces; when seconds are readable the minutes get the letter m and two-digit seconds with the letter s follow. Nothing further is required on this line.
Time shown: 10h48
